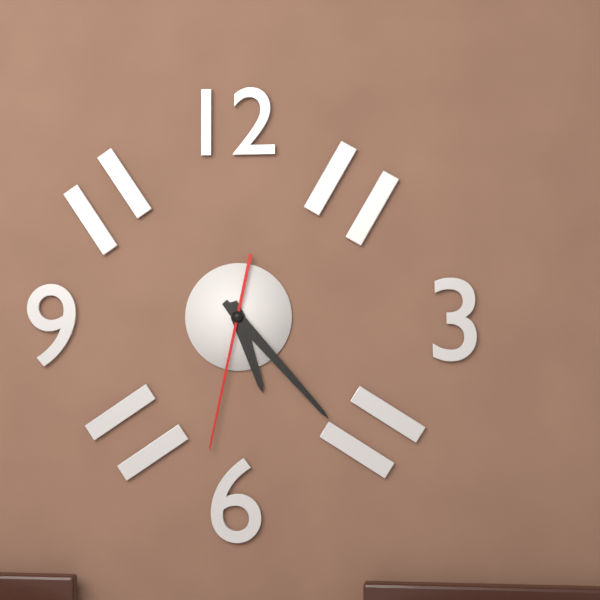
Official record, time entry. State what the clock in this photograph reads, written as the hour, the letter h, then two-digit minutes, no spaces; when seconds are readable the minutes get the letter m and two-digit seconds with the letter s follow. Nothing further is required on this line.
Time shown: 5h23m32s
